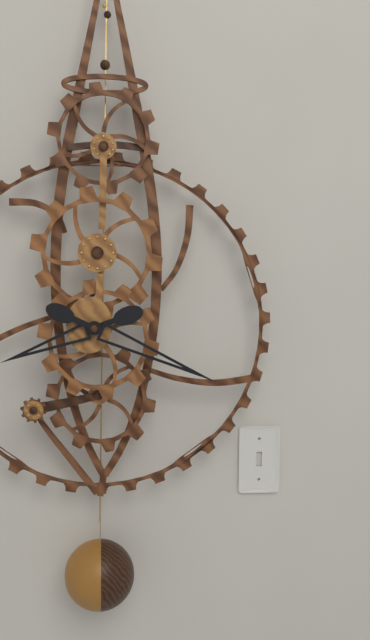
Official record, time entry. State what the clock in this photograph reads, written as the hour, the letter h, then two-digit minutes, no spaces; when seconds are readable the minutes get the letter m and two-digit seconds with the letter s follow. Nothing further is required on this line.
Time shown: 8h19
